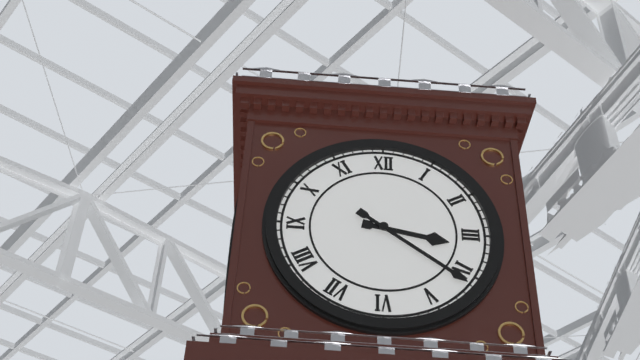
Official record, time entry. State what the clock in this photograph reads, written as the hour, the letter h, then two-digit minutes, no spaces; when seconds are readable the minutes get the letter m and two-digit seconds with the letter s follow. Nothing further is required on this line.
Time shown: 3h21
